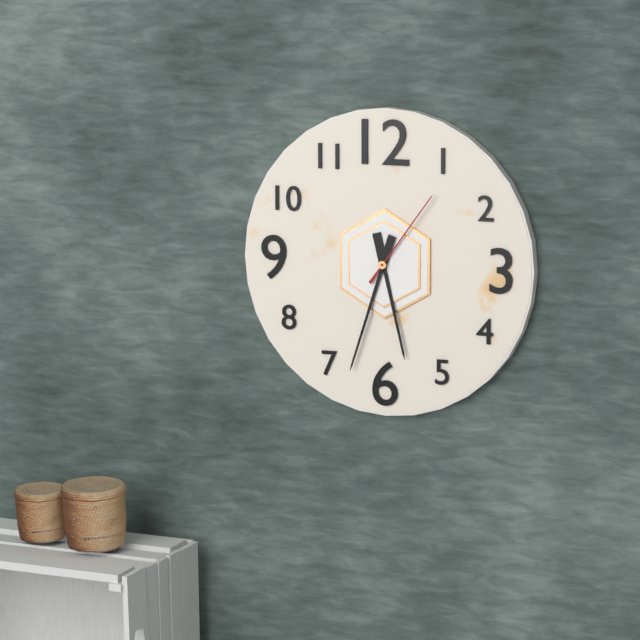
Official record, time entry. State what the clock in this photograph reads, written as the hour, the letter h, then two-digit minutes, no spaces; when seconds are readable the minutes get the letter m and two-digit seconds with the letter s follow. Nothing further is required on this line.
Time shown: 5h33m06s
